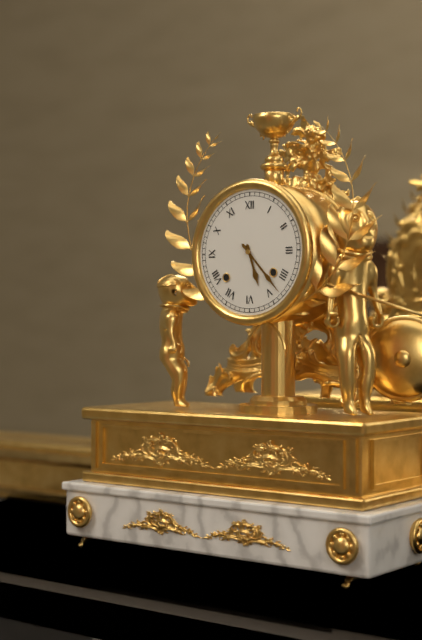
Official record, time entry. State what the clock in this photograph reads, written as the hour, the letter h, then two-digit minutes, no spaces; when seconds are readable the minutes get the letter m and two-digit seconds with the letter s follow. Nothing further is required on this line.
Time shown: 5h23
